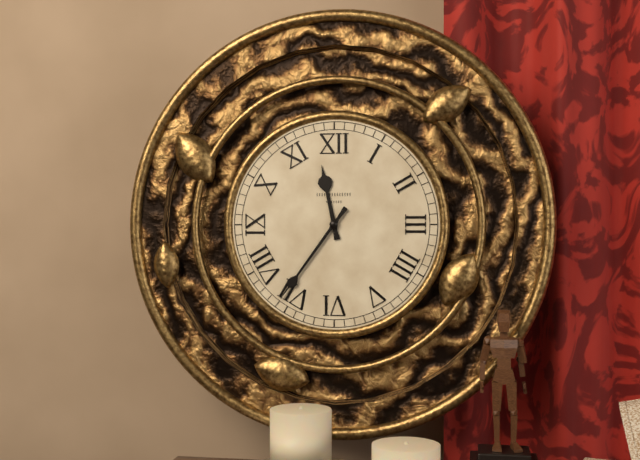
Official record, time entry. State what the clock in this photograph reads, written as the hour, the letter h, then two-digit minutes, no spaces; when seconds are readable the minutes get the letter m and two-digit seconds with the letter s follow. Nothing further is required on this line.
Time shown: 11h36
